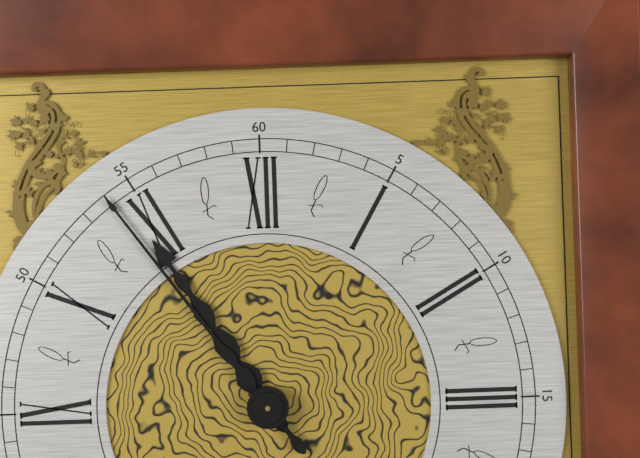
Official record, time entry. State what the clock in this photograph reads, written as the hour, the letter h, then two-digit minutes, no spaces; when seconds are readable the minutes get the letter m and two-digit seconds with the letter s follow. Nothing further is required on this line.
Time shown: 10h54
